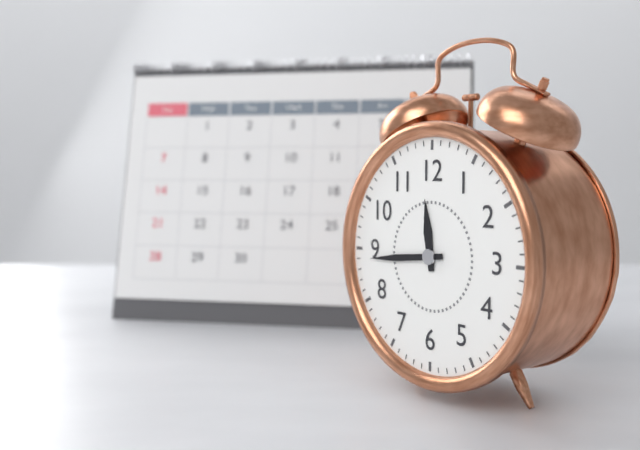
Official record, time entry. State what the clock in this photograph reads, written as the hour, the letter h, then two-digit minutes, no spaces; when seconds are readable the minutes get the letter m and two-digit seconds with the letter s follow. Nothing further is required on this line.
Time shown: 11h44
